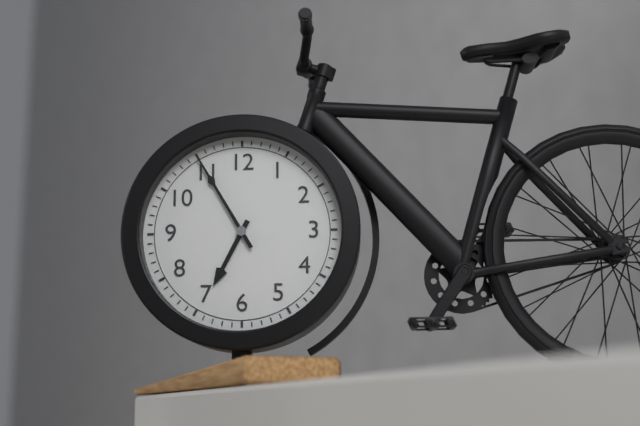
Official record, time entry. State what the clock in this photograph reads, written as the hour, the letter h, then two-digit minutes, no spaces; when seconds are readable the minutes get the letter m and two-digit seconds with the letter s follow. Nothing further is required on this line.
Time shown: 6h55
